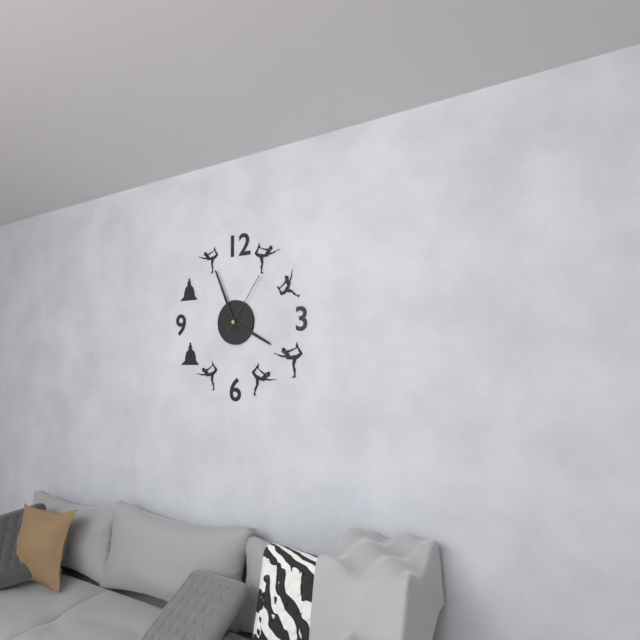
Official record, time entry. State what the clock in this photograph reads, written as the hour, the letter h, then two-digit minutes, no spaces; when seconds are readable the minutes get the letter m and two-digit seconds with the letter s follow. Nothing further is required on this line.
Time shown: 3h56m06s
